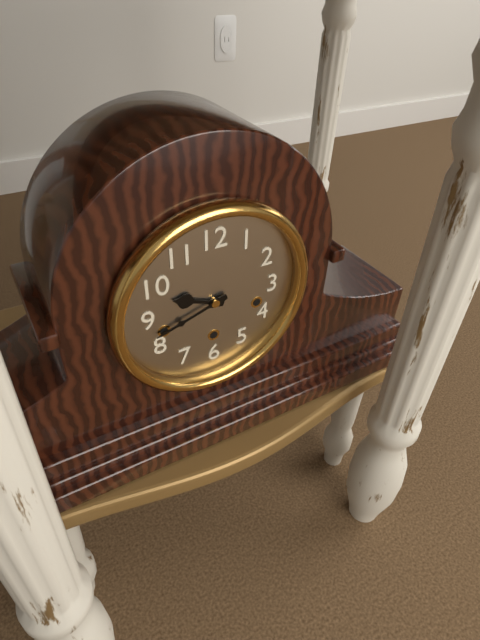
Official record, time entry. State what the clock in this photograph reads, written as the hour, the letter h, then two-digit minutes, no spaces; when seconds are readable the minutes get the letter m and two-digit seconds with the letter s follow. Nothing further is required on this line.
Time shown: 9h42
